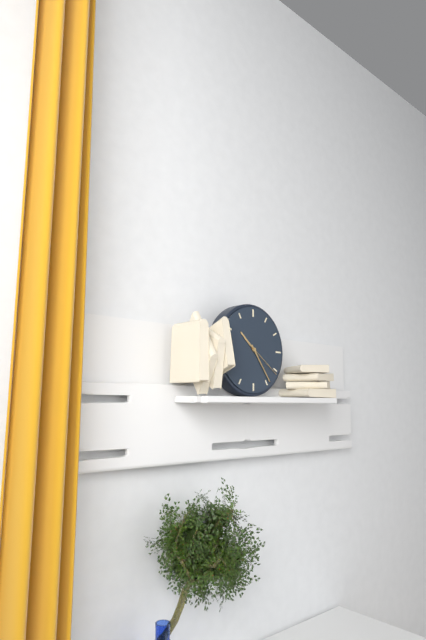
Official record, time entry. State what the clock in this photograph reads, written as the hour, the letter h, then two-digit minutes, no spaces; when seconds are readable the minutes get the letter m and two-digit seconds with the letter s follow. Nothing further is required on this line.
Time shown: 10h24
